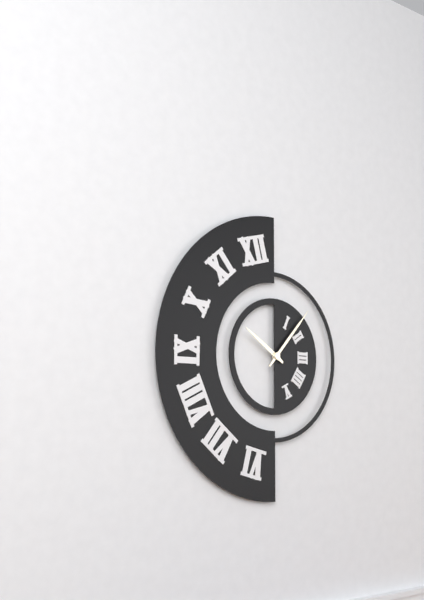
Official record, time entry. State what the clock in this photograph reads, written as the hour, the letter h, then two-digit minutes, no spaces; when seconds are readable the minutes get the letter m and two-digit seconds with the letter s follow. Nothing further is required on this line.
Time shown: 10h07
